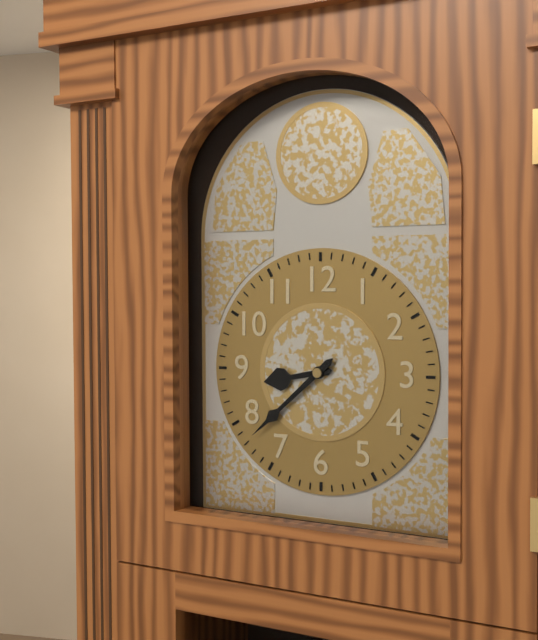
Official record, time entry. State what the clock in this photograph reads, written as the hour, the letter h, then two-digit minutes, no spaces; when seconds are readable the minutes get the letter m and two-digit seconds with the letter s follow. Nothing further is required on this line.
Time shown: 8h38
